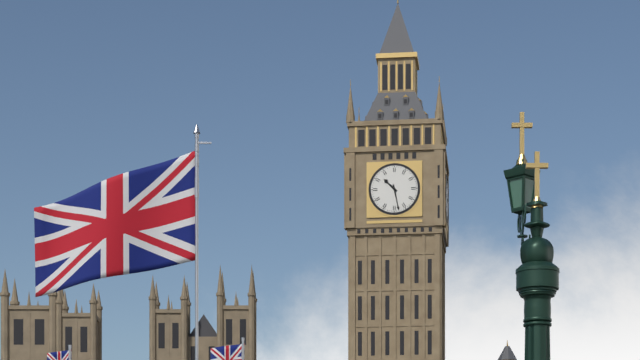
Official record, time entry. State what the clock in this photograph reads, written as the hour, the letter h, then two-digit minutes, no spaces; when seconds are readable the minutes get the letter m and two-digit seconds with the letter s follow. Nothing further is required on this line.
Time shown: 10h28
